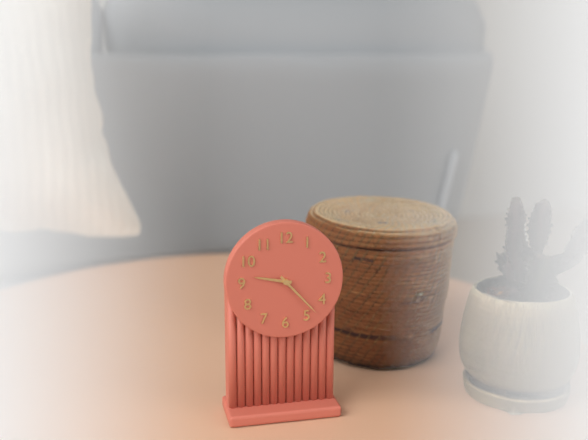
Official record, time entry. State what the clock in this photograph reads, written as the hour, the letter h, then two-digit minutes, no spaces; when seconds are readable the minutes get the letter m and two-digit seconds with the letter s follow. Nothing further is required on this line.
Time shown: 9h23
